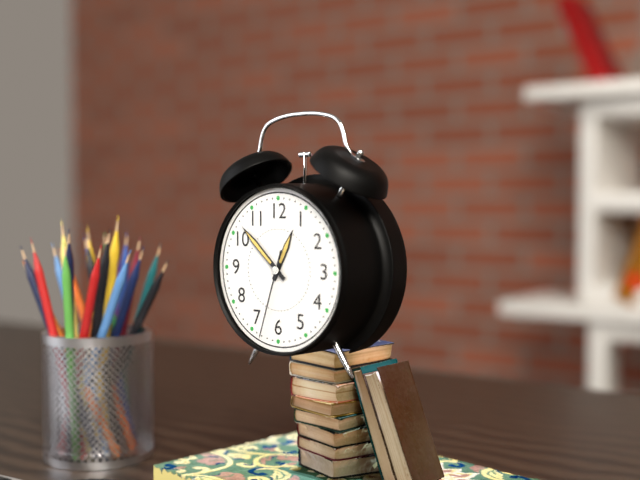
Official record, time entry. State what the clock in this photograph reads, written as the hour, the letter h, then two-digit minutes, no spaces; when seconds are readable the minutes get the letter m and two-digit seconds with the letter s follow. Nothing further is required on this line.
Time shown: 12h52m33s
